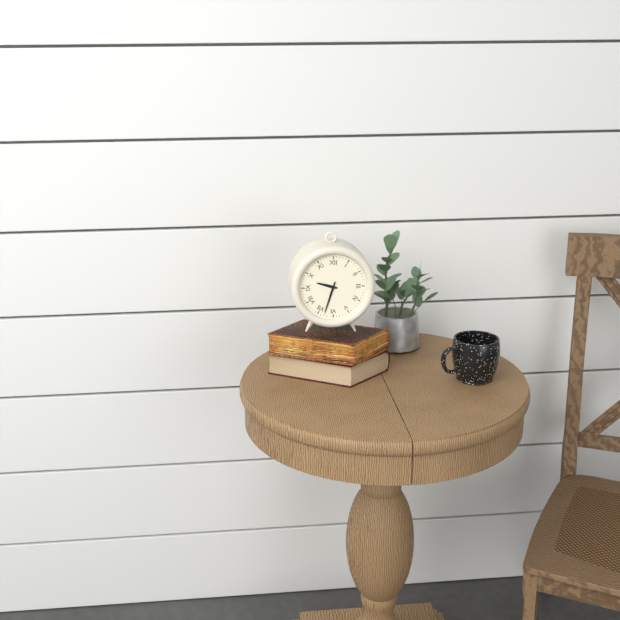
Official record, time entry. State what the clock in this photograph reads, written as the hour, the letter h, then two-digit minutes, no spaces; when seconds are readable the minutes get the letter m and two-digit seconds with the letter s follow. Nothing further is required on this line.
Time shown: 9h33
